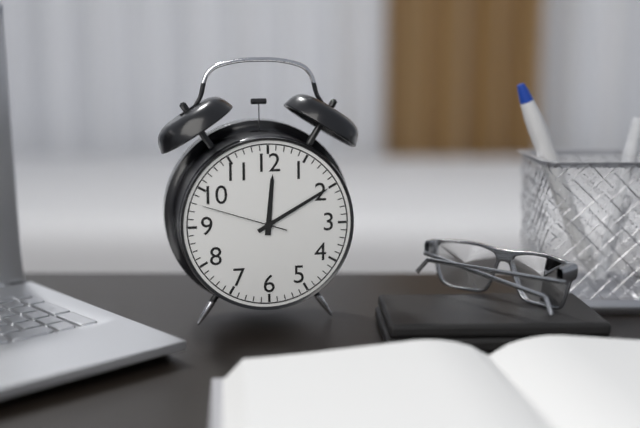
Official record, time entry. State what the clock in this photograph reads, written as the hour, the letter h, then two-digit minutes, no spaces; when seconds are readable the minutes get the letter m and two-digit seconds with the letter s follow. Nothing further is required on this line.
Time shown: 12h10m48s
